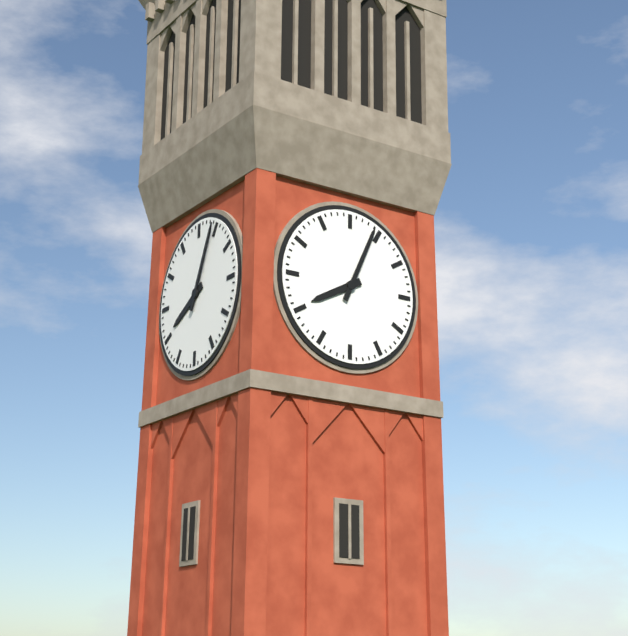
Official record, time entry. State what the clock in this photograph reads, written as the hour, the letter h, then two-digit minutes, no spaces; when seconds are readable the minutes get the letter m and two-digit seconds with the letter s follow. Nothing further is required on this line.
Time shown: 8h04
